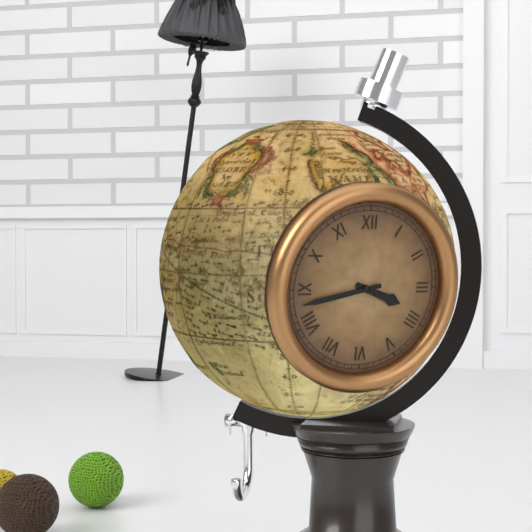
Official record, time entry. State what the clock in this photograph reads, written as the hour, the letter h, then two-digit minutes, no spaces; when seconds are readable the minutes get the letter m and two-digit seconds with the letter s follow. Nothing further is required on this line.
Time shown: 3h43
